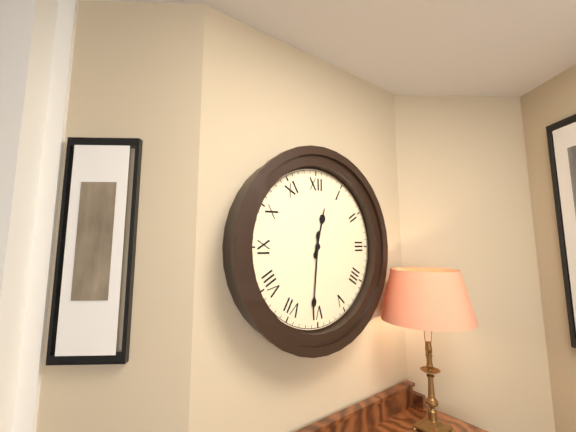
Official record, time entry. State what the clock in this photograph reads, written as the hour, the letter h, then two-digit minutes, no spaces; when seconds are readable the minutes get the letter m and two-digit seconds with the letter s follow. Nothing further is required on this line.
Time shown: 12h31
